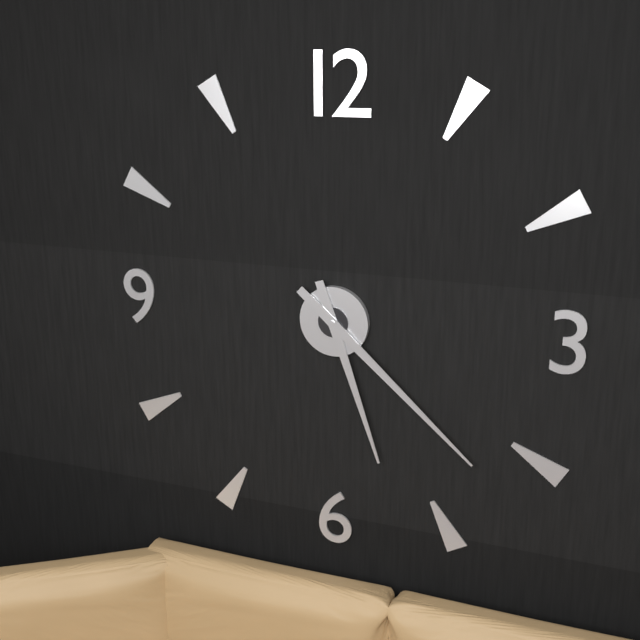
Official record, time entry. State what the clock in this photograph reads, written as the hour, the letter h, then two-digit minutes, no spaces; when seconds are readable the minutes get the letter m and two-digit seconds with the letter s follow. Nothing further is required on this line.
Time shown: 5h22
